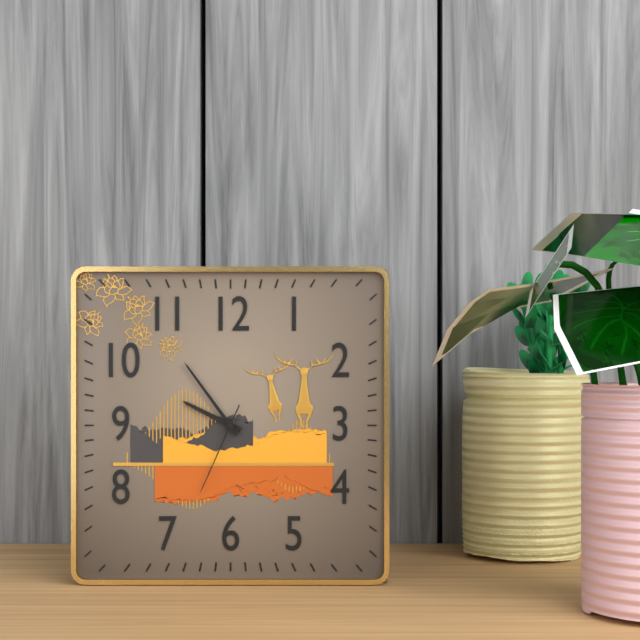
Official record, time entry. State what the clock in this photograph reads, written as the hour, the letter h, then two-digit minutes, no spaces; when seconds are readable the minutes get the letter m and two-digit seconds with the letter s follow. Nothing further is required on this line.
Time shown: 9h54m34s
